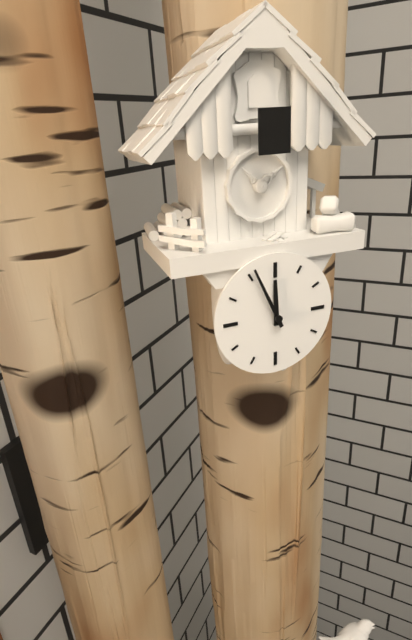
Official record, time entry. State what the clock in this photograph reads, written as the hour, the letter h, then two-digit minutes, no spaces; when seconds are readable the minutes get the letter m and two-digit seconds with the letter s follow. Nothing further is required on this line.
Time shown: 11h56
